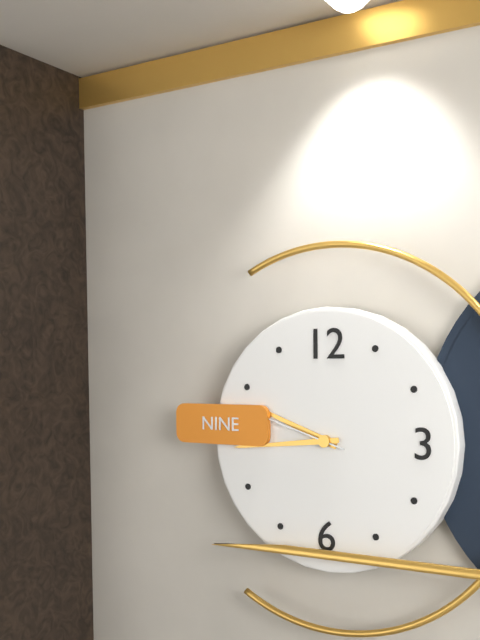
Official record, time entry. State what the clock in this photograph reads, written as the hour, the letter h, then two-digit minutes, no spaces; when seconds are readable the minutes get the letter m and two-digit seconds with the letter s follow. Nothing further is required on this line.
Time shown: 9h44
